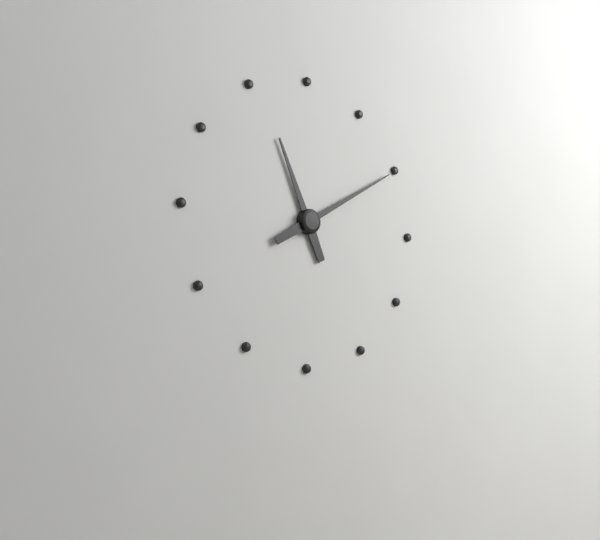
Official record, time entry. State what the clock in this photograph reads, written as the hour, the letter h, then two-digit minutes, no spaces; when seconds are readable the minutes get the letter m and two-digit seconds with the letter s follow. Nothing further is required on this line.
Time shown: 11h10
